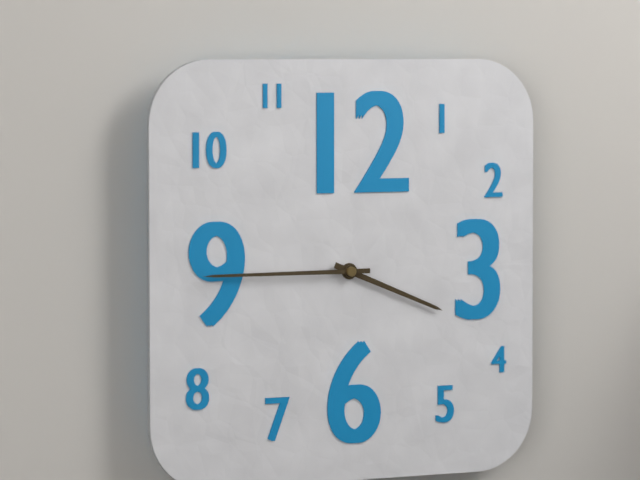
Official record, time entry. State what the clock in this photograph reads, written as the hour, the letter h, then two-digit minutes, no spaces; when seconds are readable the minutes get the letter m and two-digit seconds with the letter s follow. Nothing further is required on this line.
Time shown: 3h45
